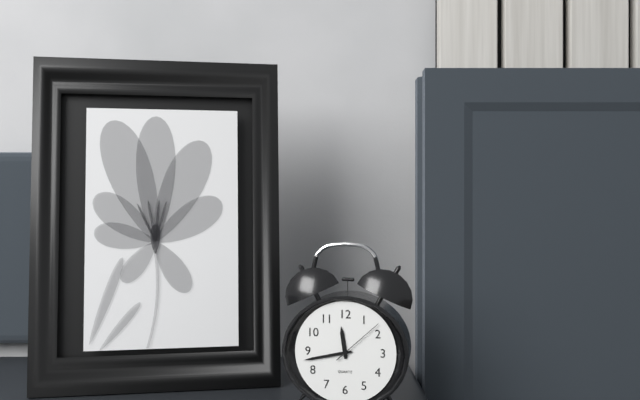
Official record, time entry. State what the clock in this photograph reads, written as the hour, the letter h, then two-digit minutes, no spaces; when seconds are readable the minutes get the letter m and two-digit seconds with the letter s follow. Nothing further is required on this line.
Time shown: 11h43m08s
